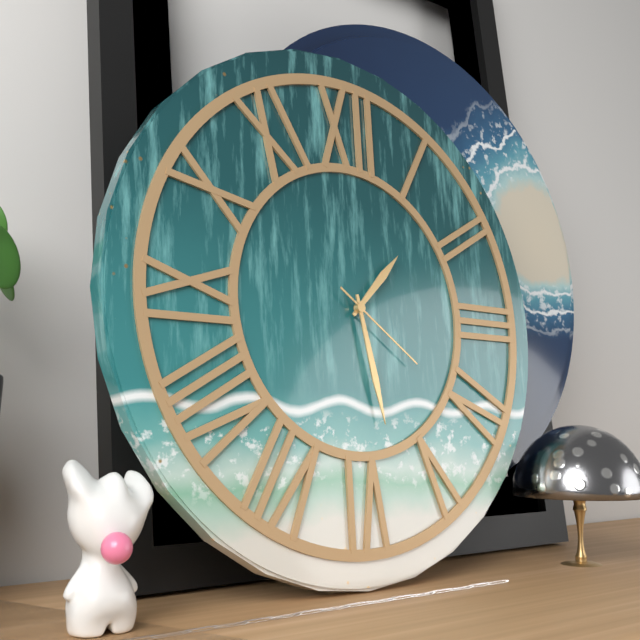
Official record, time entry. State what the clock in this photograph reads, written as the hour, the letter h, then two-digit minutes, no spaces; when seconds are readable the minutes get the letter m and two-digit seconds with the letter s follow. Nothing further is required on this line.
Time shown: 1h28m21s
